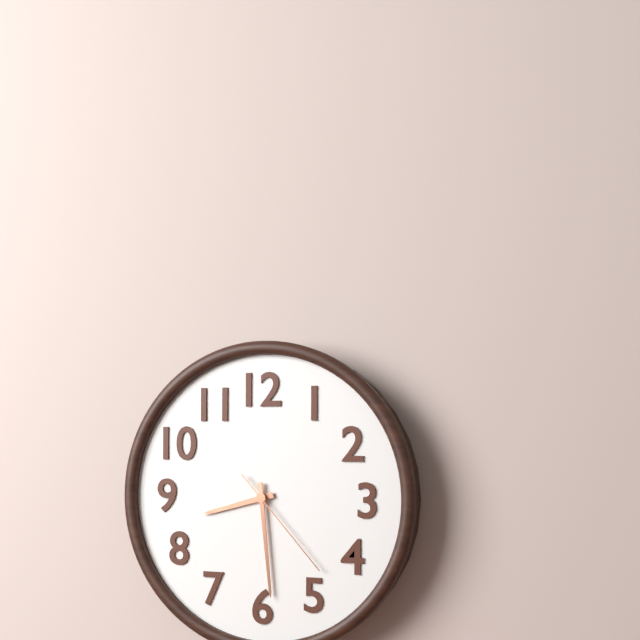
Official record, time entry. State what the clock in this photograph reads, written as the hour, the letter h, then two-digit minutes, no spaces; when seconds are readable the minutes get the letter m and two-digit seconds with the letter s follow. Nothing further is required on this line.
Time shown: 8h29m23s
